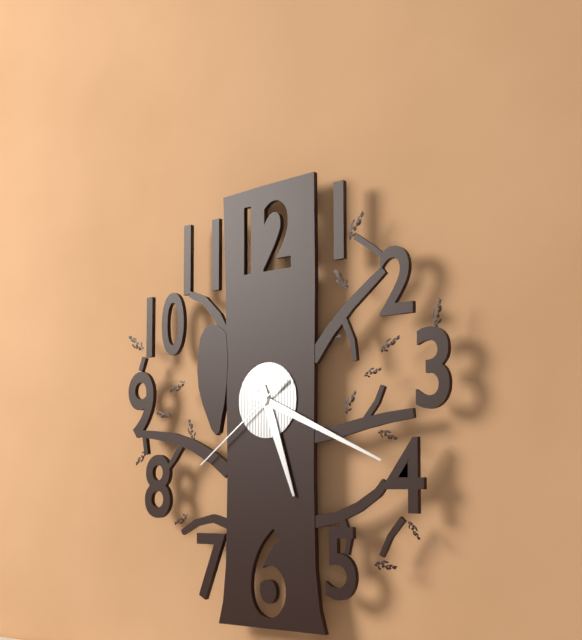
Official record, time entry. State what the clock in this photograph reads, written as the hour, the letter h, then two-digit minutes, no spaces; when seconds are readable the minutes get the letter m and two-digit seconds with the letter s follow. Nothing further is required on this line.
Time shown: 5h19m39s
